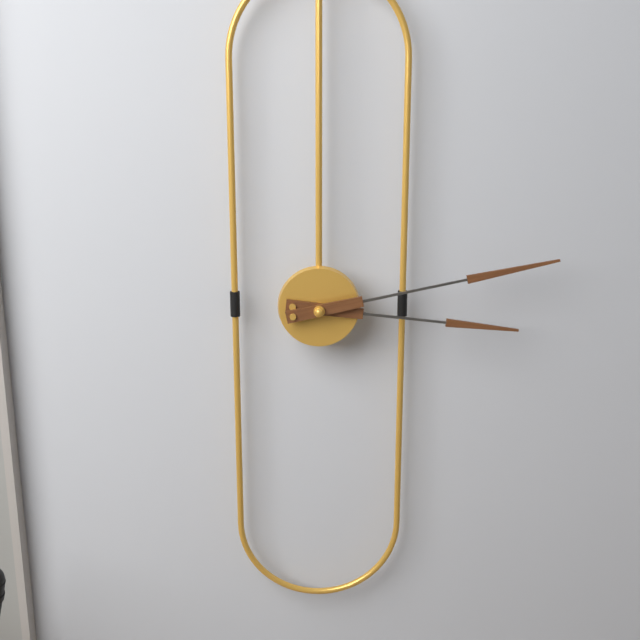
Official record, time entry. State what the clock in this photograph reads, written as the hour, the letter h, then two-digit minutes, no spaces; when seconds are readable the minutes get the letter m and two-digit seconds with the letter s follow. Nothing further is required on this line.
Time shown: 3h13
